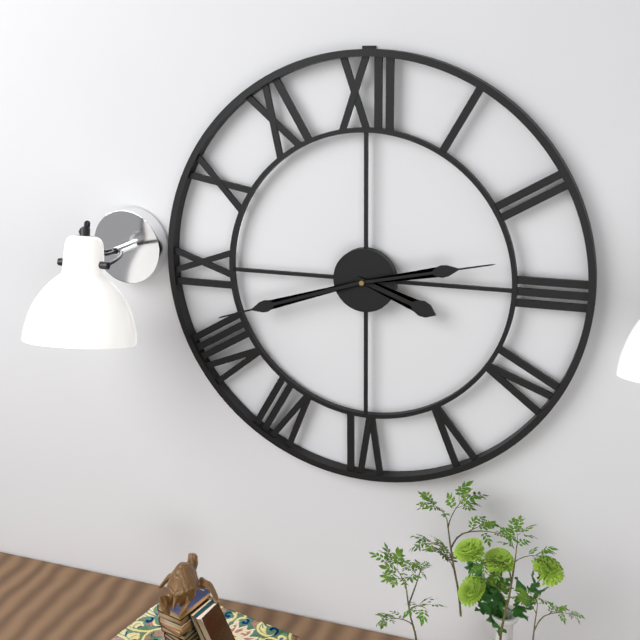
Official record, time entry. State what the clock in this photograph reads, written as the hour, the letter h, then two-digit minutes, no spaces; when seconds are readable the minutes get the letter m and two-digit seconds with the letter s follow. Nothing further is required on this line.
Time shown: 3h42m13s
